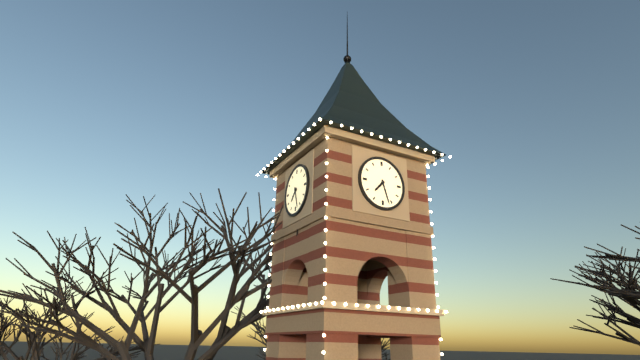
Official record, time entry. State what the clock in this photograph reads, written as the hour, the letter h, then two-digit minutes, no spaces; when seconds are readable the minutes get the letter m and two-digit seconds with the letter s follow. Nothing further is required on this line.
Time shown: 7h27
